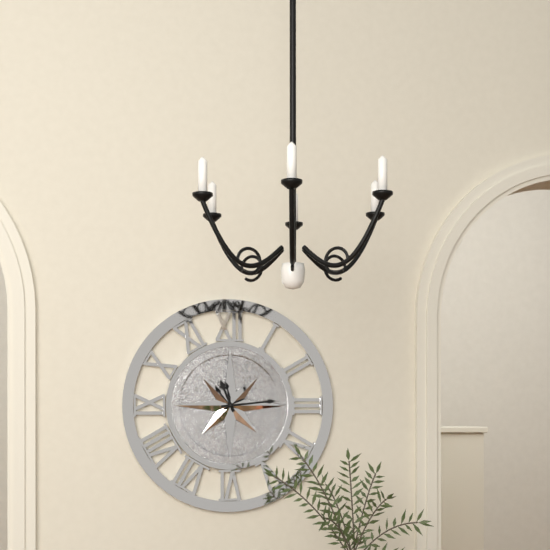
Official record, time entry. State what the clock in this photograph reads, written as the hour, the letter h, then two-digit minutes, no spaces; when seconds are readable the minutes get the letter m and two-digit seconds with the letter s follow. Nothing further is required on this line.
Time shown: 11h14
